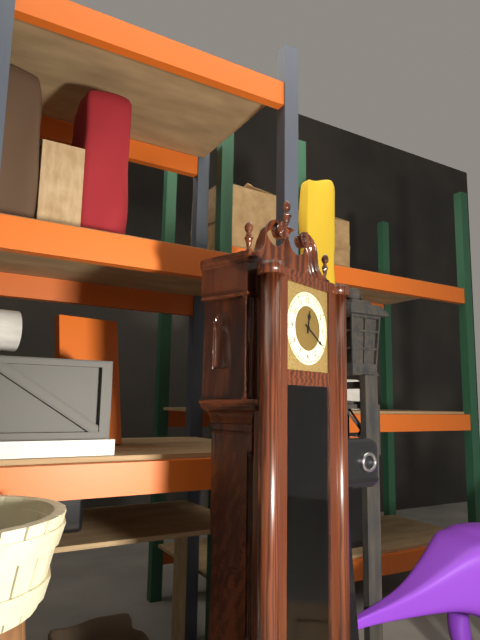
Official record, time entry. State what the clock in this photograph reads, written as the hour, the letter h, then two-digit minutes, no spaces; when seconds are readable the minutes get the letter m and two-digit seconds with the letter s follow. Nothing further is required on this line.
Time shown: 12h20
